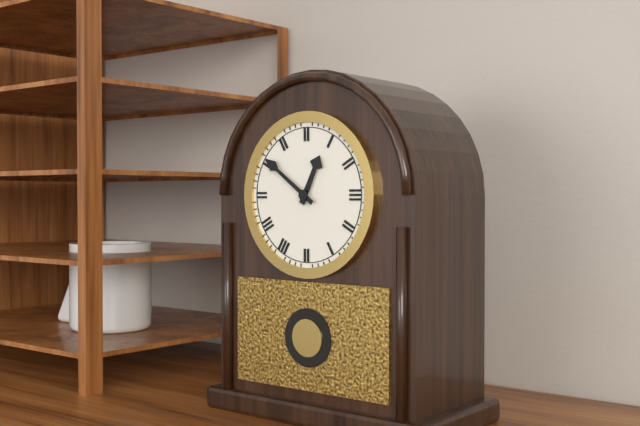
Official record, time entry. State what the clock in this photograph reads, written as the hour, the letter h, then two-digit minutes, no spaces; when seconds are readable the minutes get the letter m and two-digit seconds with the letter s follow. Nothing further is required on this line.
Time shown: 12h51
